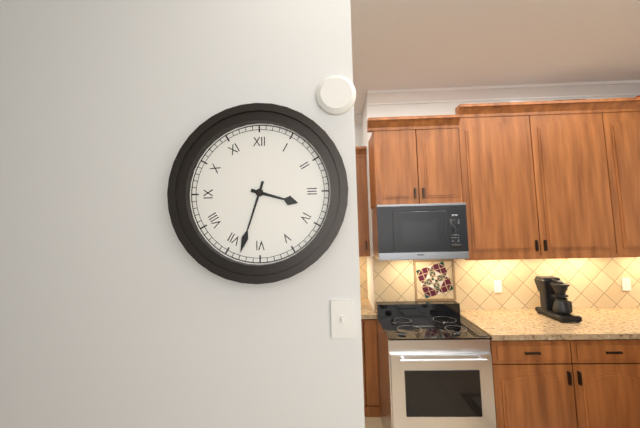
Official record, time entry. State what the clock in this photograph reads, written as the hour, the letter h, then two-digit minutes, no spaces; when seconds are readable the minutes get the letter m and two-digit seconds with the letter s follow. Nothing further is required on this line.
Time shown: 3h33
